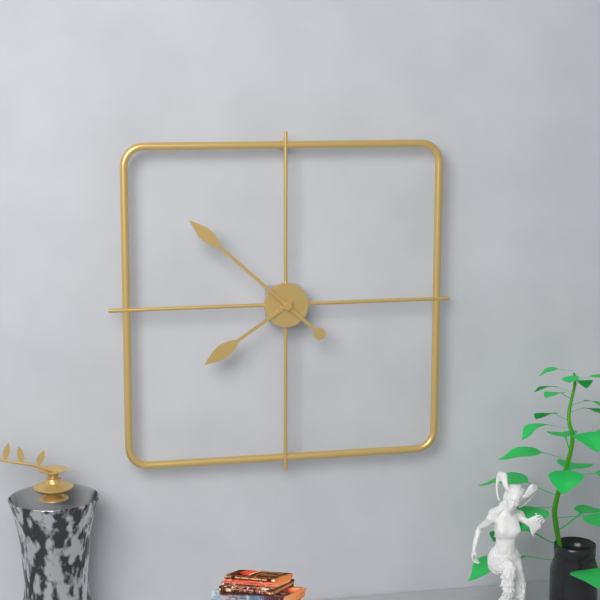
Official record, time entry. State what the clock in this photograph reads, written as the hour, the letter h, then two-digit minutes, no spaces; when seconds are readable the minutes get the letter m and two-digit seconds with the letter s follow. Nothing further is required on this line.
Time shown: 7h52
